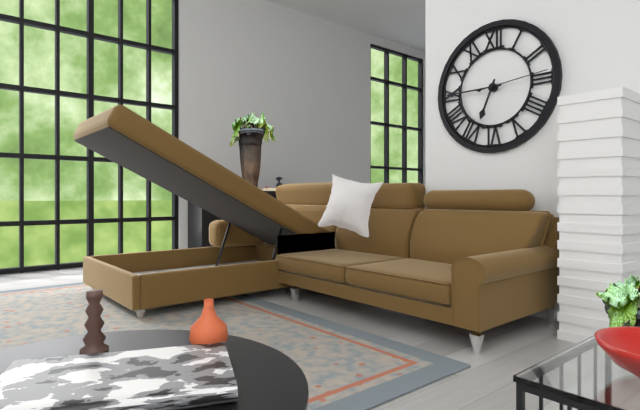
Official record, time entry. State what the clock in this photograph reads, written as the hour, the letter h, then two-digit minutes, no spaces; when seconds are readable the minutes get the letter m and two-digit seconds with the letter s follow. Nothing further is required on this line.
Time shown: 6h45m14s
